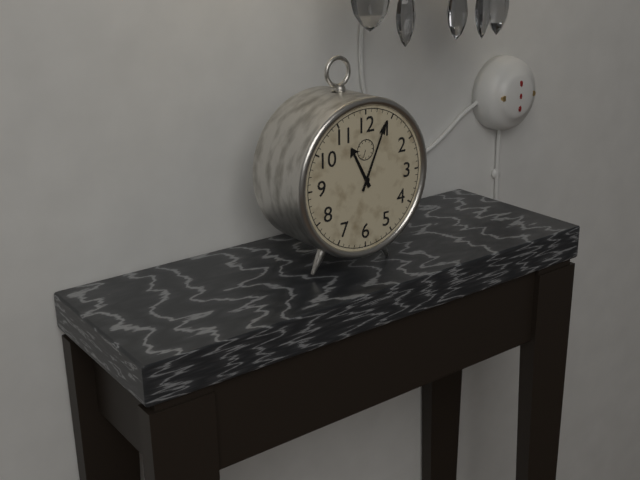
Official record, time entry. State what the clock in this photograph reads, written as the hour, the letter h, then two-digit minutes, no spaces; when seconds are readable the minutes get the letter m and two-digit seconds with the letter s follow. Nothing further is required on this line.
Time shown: 11h04
